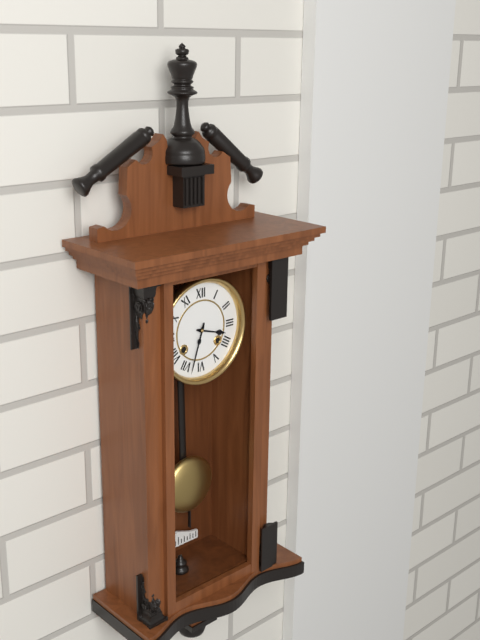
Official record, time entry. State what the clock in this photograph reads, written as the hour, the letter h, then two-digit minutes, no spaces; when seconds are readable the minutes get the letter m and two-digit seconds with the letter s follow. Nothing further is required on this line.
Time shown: 3h33
